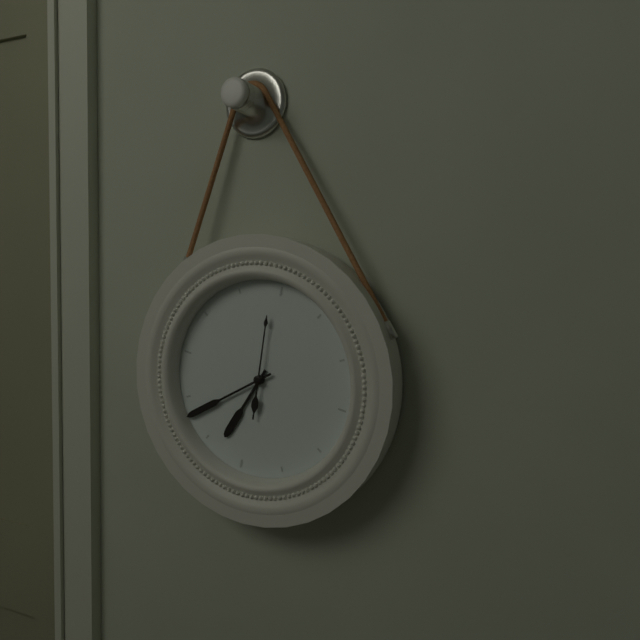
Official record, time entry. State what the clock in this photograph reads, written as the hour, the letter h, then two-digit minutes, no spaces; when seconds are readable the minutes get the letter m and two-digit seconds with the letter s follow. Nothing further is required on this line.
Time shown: 6h38m59s
